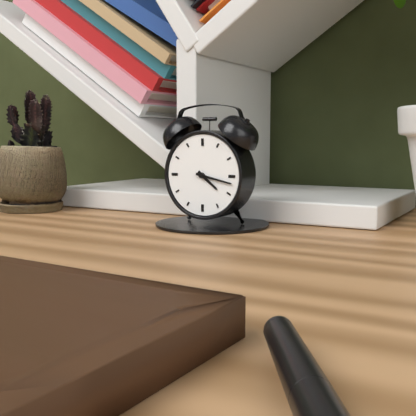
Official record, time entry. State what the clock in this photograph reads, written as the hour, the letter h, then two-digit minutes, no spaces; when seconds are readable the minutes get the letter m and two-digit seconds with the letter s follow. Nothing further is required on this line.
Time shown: 4h17
